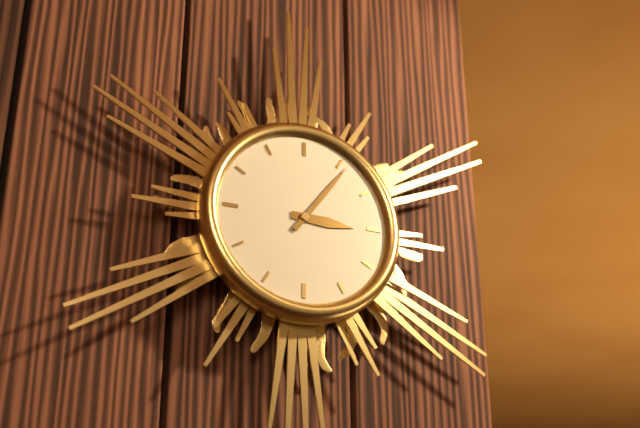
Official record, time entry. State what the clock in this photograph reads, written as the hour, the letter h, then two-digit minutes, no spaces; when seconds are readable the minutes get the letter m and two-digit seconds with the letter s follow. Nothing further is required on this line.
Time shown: 3h06
